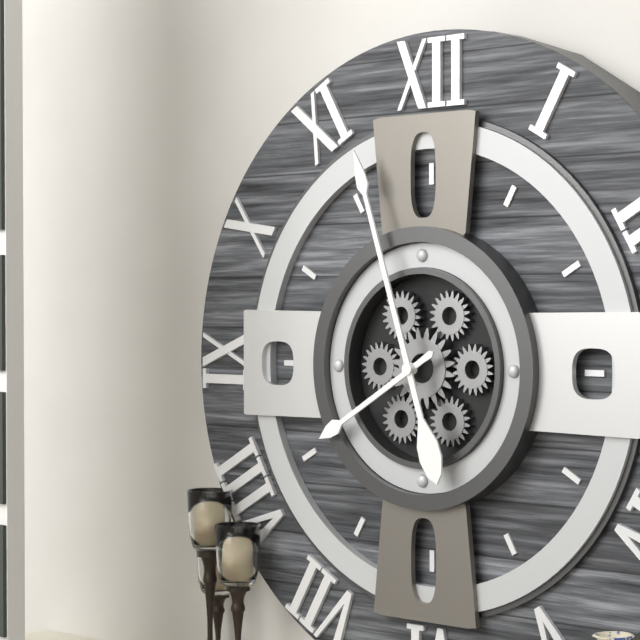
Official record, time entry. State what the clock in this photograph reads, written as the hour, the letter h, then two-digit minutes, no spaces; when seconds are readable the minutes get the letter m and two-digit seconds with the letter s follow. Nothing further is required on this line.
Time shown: 7h57
